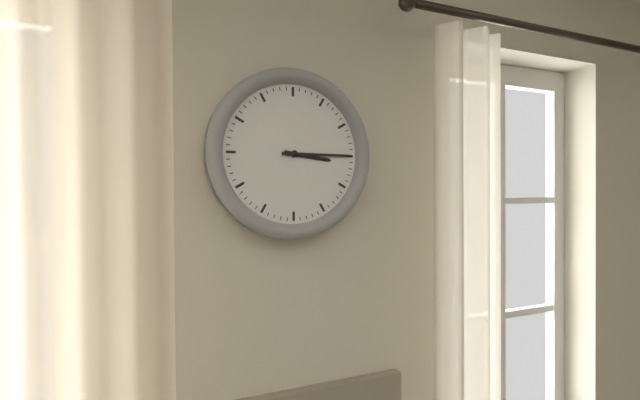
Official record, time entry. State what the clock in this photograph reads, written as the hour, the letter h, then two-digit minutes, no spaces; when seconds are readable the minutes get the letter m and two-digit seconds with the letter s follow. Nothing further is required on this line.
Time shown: 3h15
